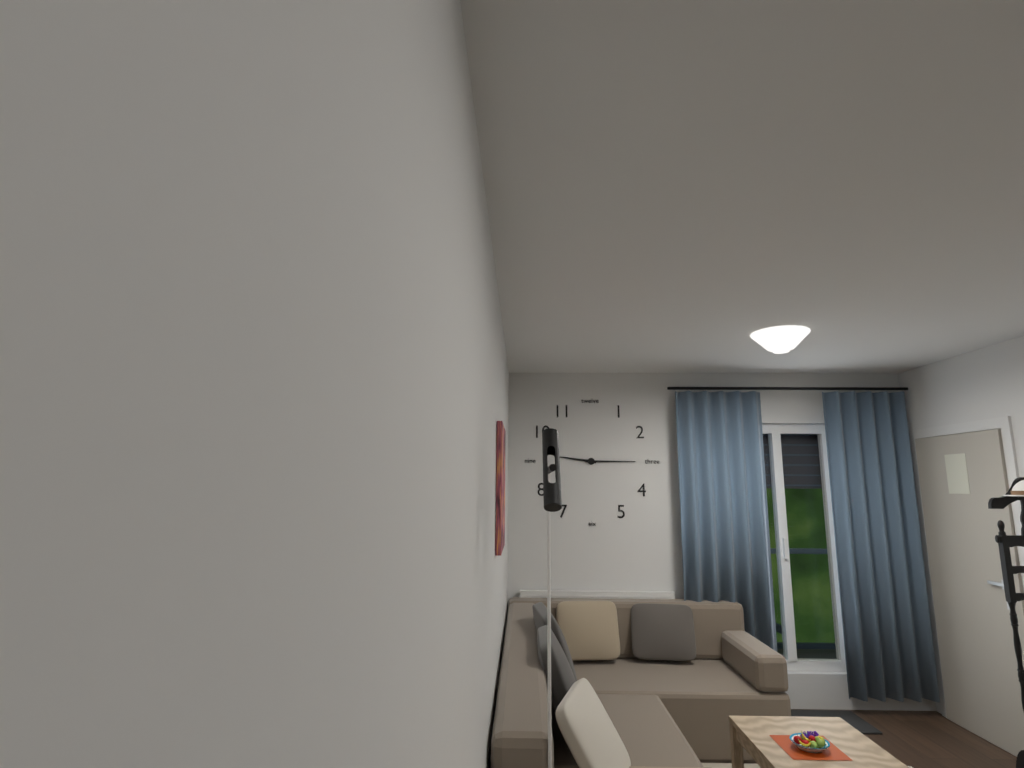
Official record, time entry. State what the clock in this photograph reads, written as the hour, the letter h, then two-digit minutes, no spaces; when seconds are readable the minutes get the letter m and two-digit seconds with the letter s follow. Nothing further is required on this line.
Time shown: 9h15
